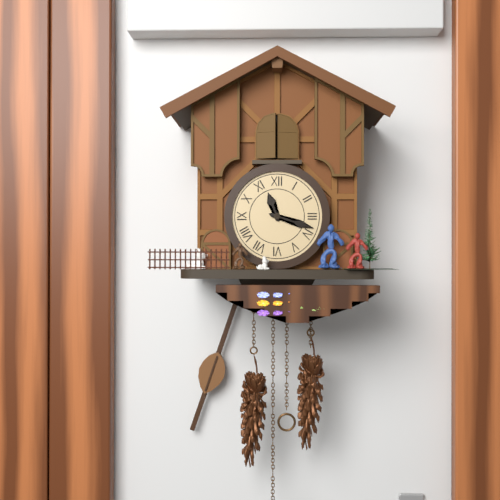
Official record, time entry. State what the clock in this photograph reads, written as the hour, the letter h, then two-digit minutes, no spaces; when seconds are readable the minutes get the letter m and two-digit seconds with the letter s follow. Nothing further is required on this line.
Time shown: 11h18
